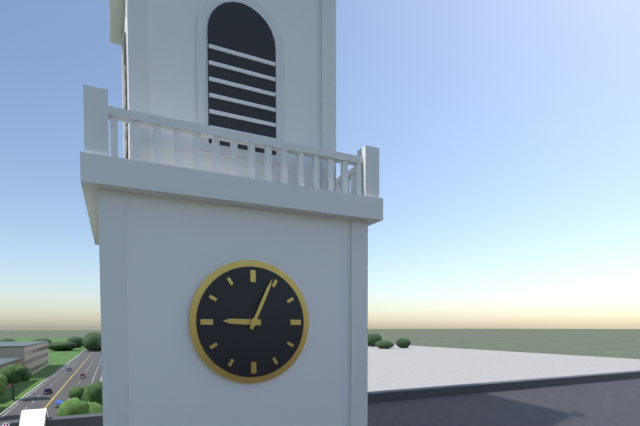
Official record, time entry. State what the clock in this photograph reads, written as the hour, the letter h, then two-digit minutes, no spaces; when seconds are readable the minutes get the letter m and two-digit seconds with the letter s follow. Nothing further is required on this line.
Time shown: 9h04
